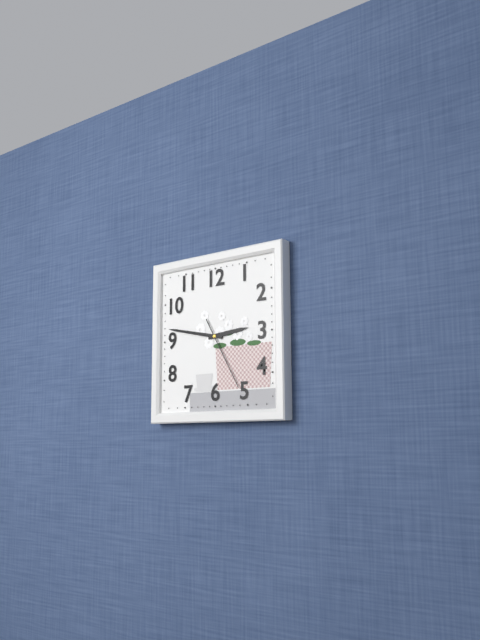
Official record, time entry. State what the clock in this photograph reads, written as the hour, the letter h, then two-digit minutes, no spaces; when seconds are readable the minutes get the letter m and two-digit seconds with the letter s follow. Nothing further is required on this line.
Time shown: 2h47m25s
